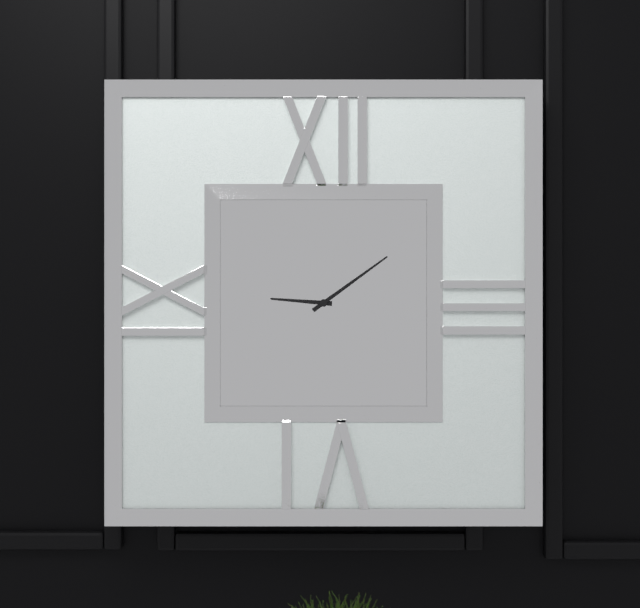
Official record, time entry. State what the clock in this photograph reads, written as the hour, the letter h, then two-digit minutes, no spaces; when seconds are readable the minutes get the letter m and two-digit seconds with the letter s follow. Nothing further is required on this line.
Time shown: 9h09
